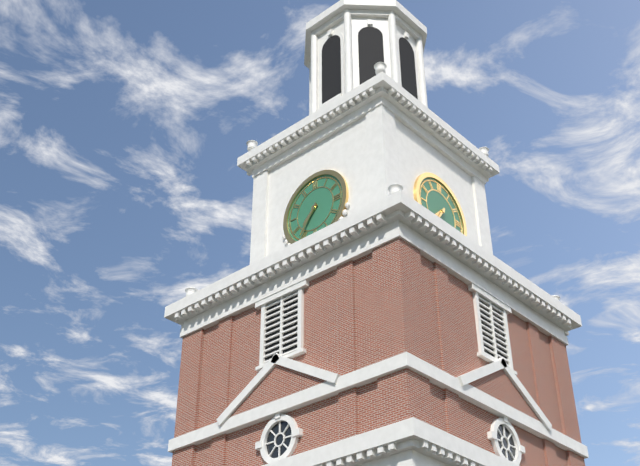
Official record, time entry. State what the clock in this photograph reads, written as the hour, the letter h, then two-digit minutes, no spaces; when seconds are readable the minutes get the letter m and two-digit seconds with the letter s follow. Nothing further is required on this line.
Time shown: 7h36
